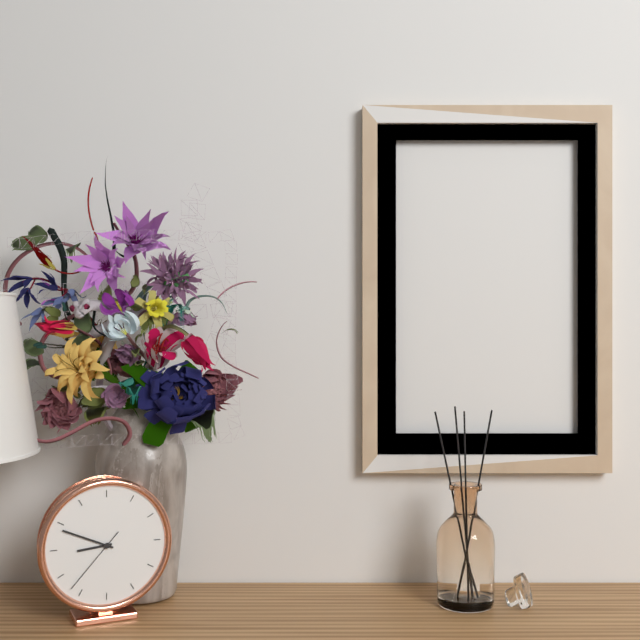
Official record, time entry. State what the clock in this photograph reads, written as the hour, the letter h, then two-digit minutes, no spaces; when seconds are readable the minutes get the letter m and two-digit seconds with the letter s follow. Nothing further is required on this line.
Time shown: 8h49m37s
